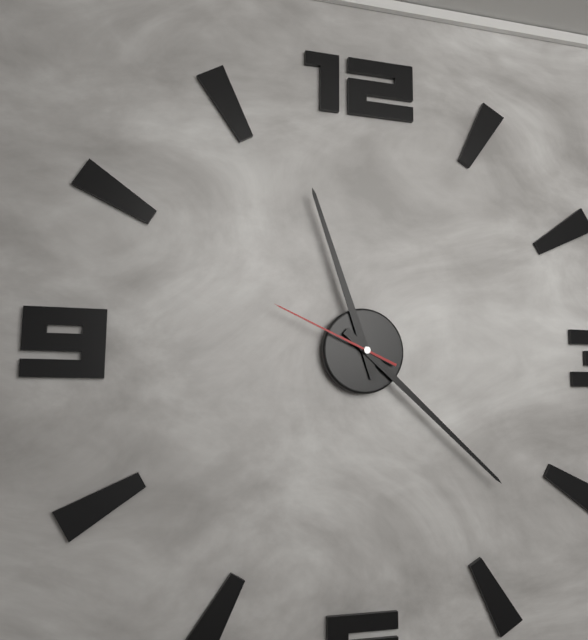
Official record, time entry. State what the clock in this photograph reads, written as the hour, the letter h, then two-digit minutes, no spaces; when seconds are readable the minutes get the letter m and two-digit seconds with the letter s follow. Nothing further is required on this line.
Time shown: 11h22m49s
